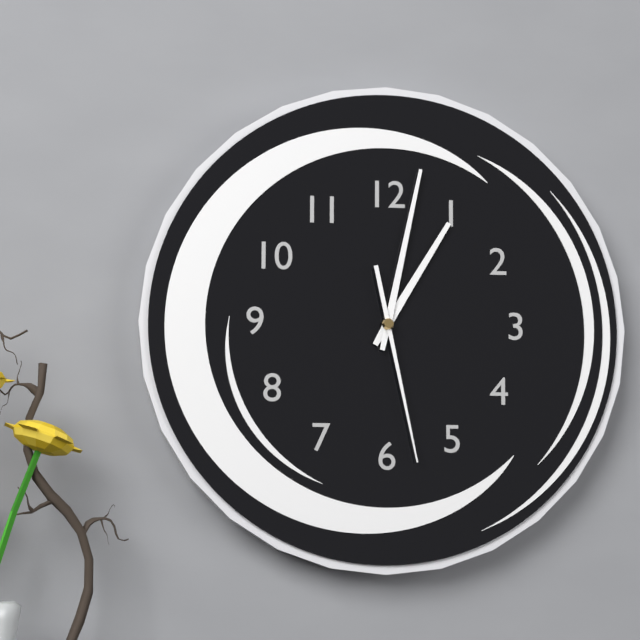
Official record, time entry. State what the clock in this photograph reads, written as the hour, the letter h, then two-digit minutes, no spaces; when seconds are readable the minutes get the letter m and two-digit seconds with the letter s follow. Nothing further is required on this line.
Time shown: 1h02m28s
